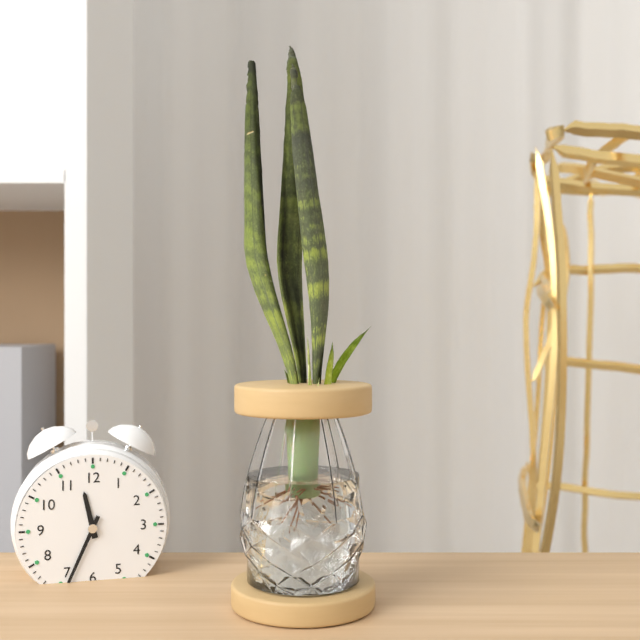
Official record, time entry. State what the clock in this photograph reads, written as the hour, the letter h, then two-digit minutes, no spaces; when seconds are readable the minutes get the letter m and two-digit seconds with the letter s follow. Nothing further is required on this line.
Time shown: 11h34
